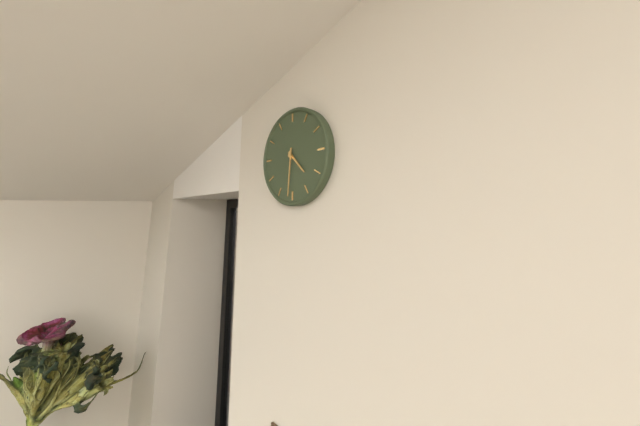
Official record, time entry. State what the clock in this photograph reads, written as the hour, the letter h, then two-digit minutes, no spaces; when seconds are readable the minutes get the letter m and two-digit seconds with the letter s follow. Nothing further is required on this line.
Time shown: 4h31
